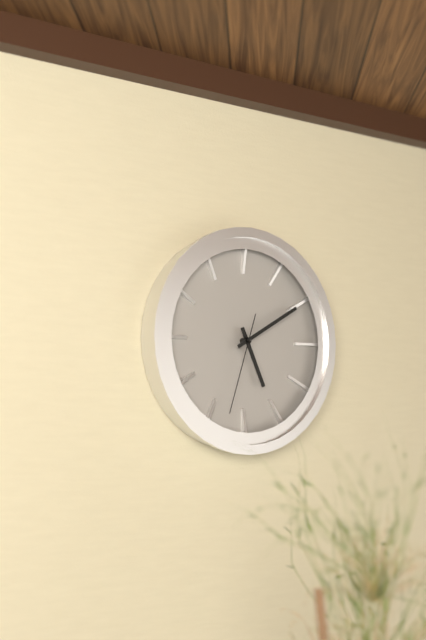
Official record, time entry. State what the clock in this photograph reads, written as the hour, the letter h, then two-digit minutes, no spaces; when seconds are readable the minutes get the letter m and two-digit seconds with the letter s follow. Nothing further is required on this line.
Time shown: 5h10m33s
